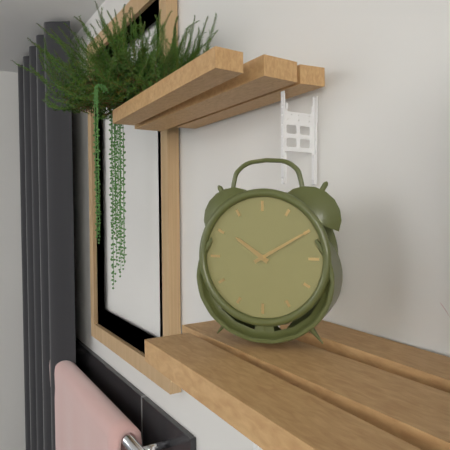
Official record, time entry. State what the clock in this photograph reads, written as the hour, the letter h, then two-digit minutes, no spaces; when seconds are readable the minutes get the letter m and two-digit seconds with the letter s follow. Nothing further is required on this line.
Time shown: 10h10
